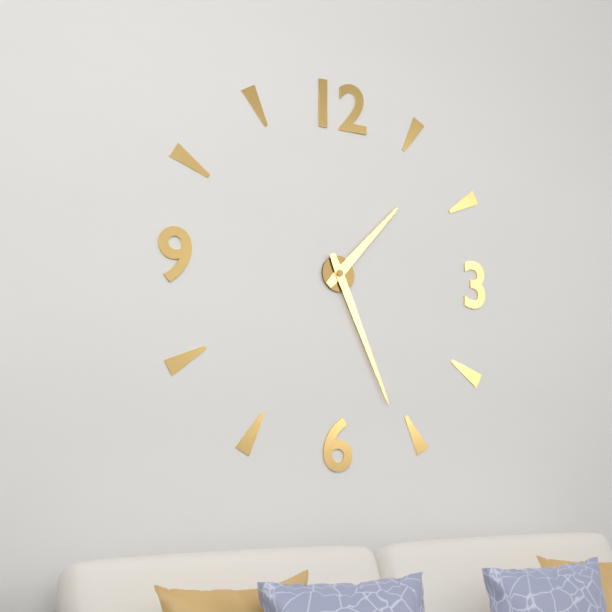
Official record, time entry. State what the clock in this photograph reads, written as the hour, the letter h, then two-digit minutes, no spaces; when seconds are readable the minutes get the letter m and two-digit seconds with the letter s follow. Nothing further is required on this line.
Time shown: 1h26
